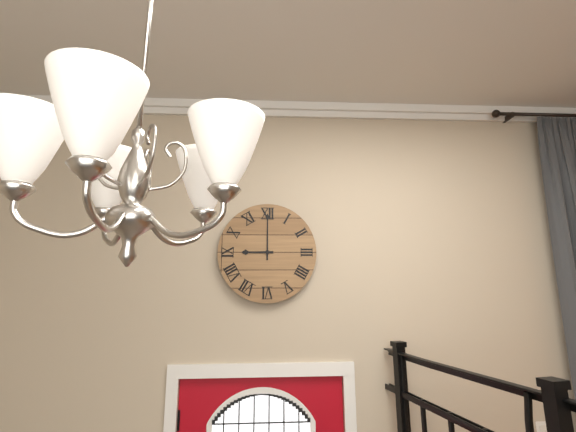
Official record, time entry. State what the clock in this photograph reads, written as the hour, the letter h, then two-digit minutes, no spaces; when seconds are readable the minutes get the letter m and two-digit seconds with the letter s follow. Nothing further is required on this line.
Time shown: 9h00
